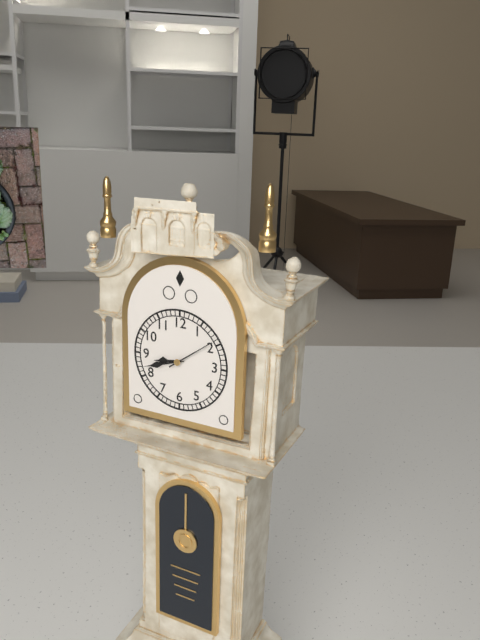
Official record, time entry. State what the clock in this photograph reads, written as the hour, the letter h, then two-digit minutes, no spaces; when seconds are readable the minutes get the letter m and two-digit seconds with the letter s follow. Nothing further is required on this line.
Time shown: 8h42
